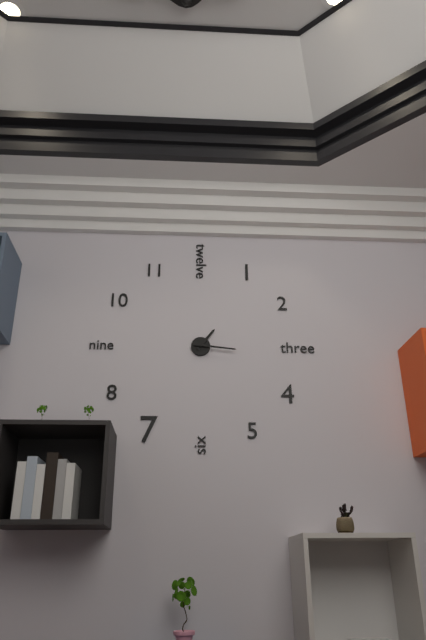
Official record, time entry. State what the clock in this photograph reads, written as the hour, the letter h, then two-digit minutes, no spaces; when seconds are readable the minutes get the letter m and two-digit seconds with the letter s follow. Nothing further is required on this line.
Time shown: 1h16
